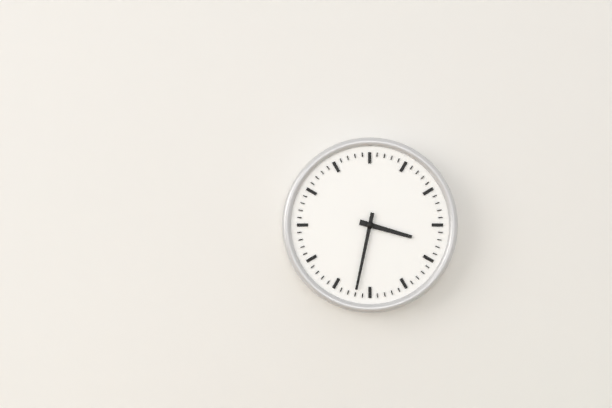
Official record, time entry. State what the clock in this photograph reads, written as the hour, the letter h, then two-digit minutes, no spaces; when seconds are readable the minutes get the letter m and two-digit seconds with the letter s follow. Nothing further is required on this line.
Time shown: 3h32
